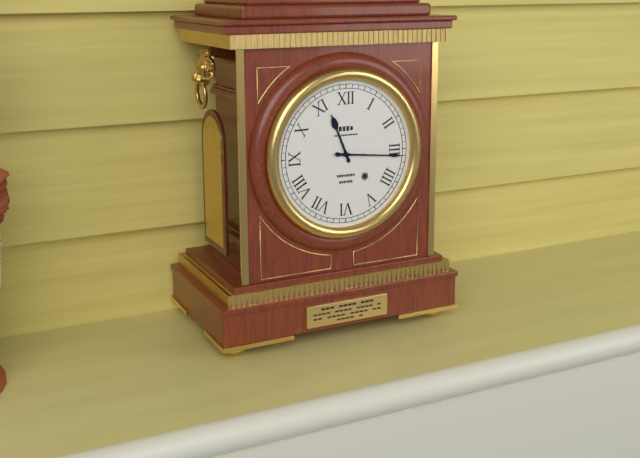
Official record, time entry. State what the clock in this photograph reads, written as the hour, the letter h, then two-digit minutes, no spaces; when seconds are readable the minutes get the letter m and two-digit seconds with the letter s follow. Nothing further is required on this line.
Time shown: 11h16
